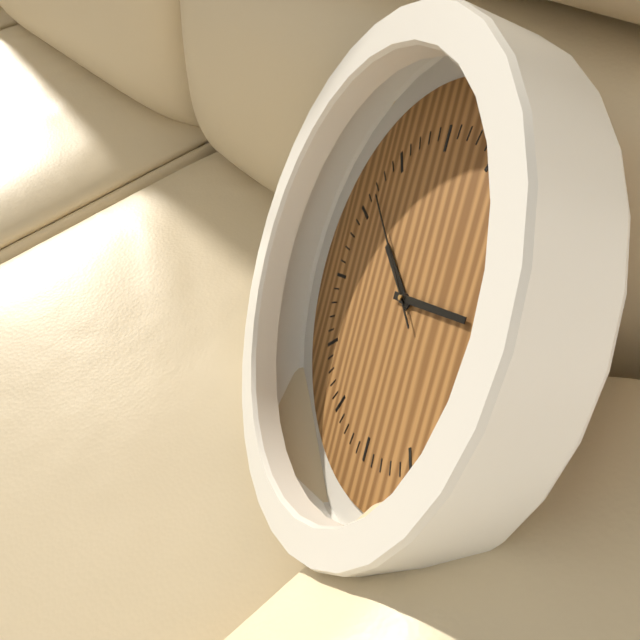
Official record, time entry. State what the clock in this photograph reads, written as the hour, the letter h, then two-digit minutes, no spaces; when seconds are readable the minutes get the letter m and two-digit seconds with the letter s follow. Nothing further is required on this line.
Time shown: 10h15m52s
